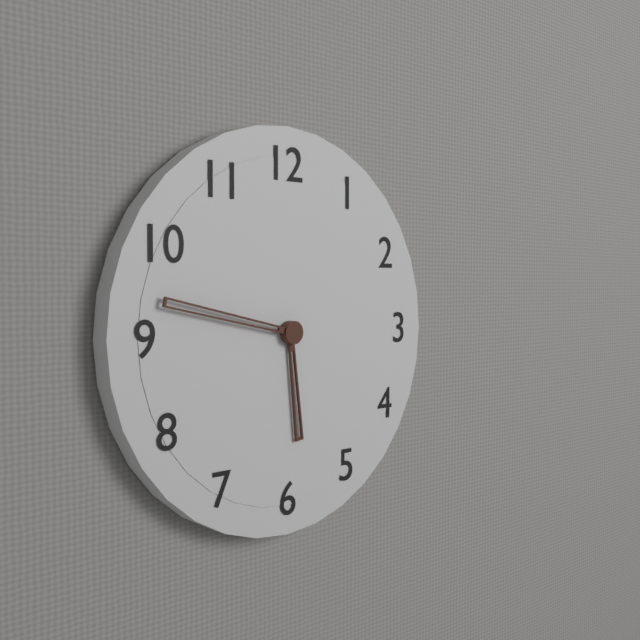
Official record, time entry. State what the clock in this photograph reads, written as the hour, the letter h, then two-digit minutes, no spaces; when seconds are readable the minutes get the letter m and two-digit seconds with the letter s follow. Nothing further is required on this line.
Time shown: 5h47
